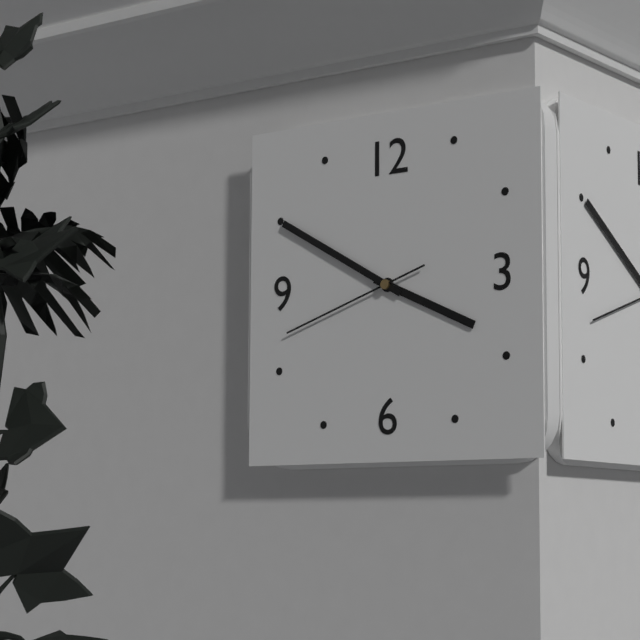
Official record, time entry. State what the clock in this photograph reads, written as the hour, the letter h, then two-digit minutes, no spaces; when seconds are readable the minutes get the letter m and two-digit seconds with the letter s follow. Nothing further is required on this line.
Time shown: 3h50m42s
